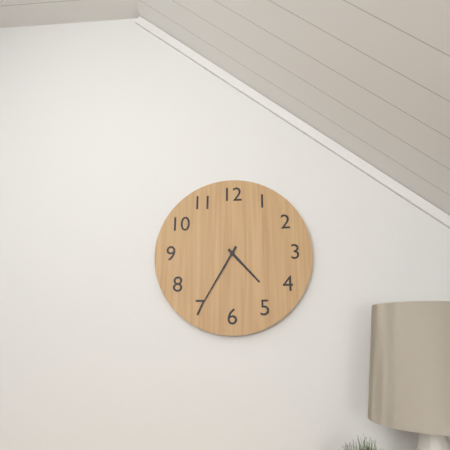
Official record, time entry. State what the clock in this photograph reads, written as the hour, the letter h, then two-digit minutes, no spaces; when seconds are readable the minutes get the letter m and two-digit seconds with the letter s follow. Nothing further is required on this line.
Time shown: 4h35
